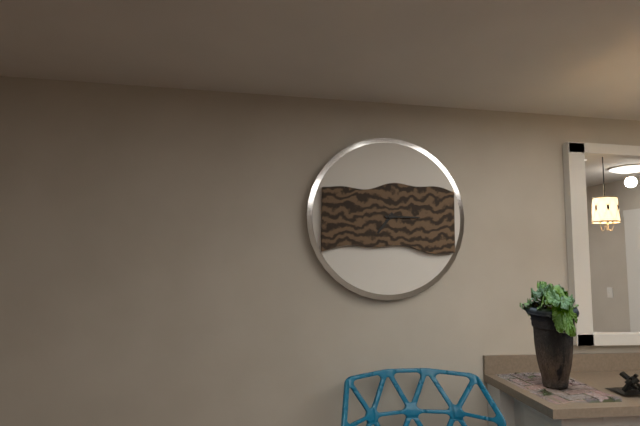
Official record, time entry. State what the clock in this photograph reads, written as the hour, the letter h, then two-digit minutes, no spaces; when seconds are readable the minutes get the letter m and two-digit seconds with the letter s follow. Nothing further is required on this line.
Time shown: 7h15
